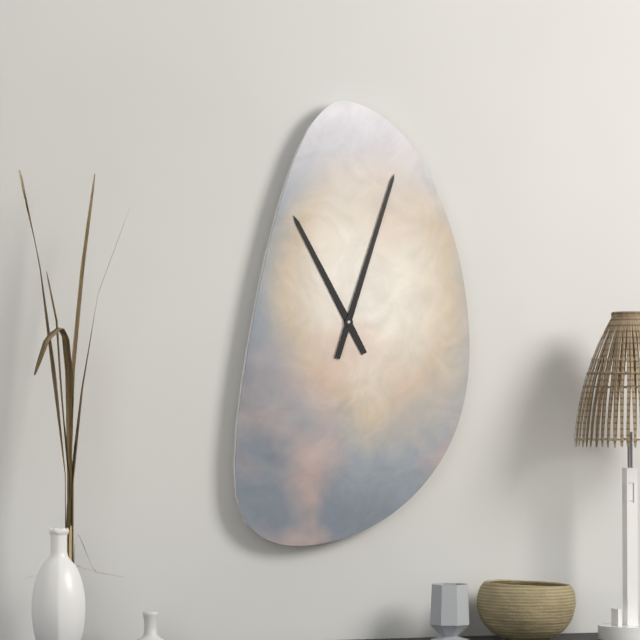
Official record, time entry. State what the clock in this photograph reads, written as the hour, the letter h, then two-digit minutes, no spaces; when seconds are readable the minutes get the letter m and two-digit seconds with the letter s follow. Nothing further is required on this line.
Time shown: 11h03
